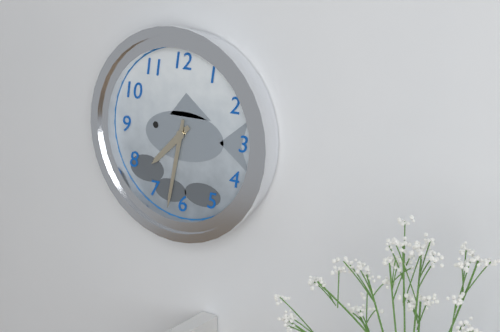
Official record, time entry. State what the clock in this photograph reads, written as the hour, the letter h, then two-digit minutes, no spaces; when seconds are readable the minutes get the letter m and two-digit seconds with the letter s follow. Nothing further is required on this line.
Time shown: 7h32
